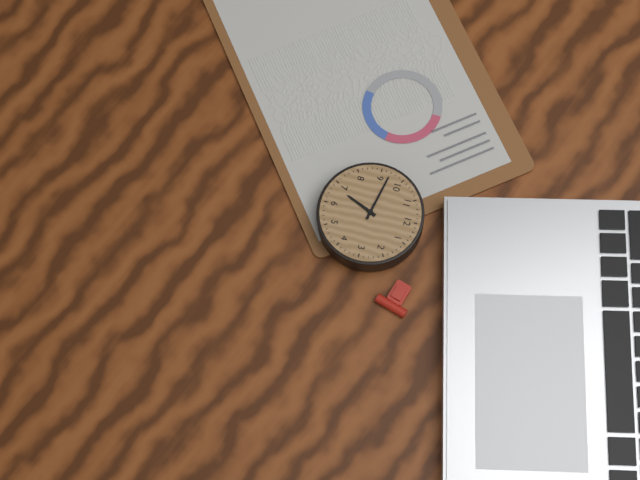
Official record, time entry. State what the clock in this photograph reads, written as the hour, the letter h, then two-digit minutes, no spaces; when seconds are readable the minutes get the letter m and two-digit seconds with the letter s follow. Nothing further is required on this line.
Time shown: 6h47
